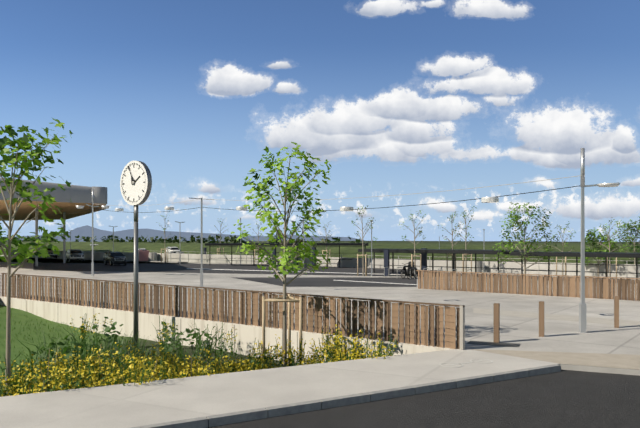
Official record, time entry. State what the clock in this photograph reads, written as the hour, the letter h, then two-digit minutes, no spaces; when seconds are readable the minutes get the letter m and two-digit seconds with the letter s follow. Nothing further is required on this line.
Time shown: 1h56
